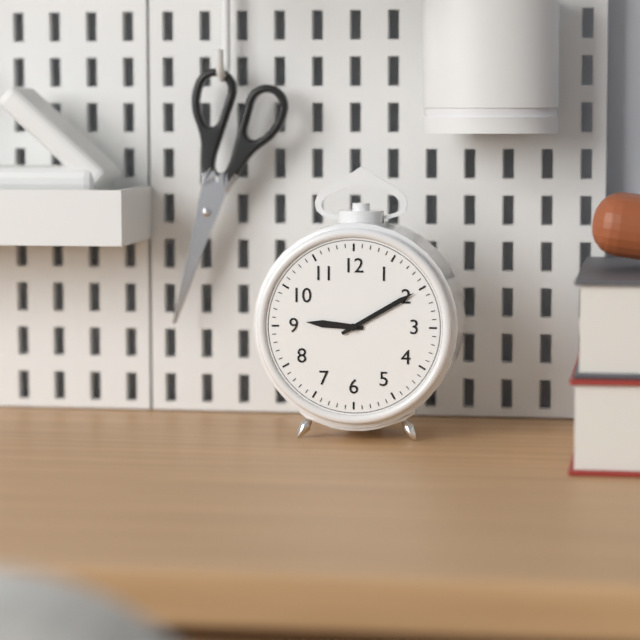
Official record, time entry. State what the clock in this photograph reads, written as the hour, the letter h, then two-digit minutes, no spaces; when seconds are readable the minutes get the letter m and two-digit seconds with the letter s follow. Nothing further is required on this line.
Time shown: 9h10
